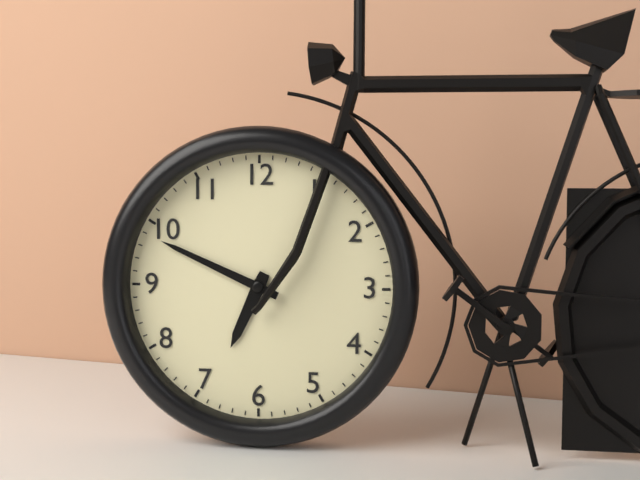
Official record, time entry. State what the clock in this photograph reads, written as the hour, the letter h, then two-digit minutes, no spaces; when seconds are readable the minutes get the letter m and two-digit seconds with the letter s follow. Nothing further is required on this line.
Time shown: 6h49
